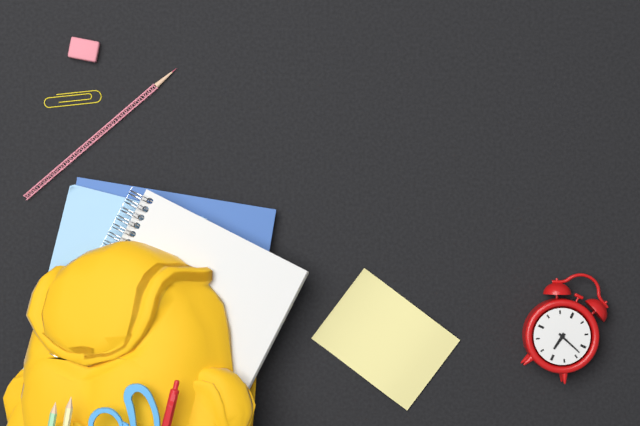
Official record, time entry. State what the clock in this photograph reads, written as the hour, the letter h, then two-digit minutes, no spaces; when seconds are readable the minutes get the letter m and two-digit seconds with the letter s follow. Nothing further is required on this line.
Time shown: 6h18
